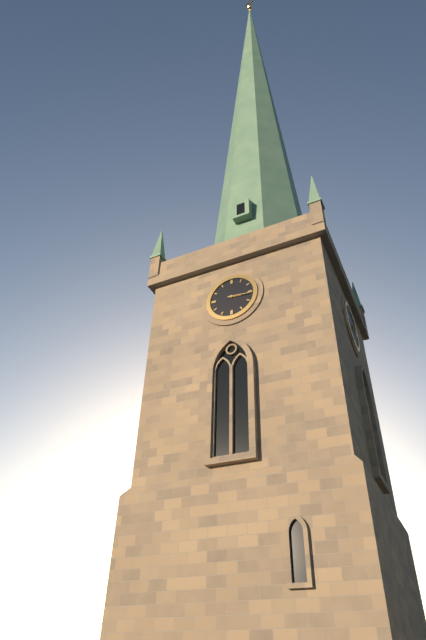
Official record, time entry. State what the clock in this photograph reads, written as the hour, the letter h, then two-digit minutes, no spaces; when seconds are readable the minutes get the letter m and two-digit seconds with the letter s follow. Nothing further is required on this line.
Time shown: 3h16
